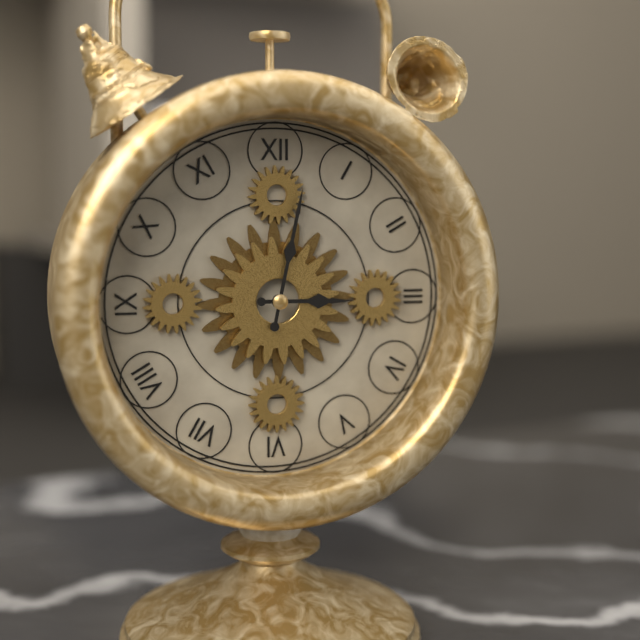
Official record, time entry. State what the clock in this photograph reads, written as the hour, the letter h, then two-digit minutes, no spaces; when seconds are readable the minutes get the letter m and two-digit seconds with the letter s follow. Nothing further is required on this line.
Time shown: 3h02
